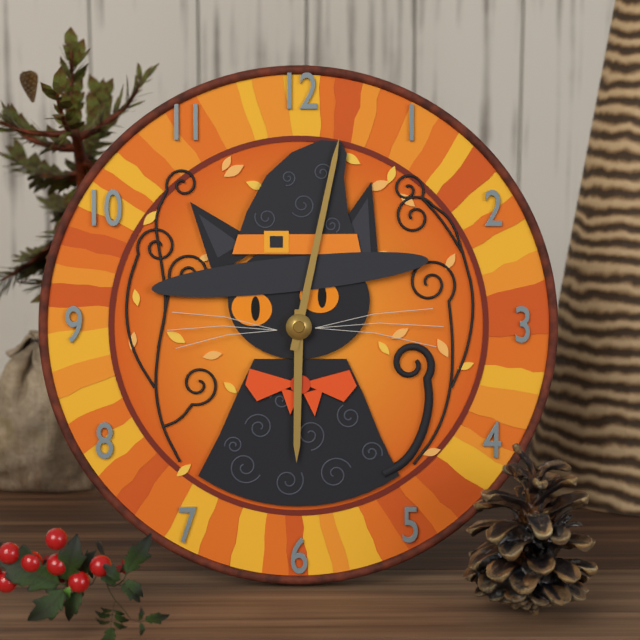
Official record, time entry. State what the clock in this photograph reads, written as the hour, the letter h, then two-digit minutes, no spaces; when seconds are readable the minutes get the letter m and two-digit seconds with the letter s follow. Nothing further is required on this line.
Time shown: 6h02
